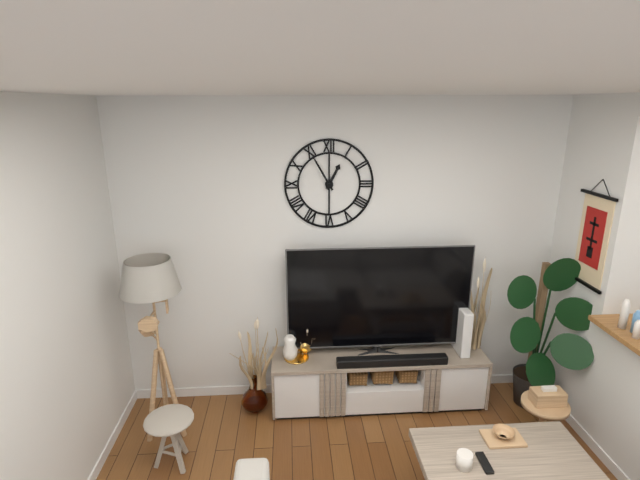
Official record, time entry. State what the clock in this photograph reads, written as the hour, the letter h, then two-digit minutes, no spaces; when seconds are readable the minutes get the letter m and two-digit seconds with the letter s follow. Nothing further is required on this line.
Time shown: 12h55
